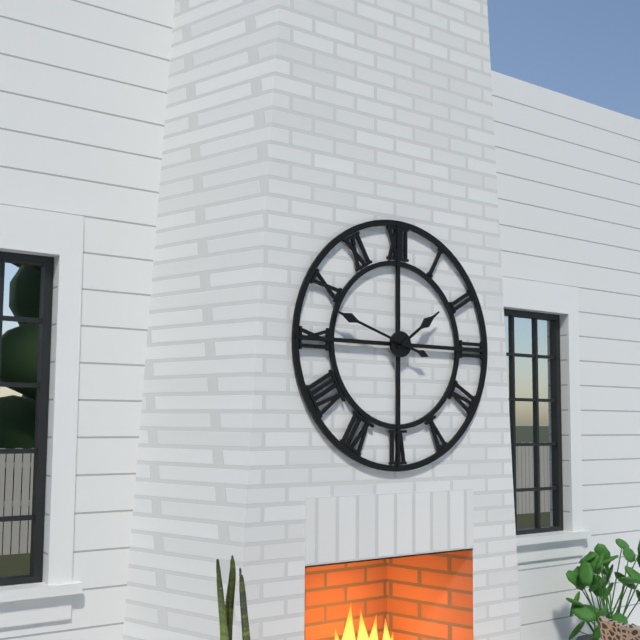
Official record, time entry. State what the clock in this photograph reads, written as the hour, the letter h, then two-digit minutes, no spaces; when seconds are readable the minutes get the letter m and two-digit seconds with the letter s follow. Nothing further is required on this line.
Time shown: 1h48
